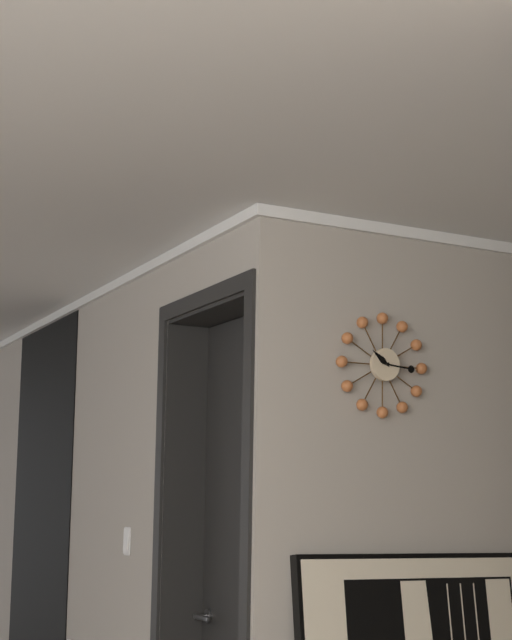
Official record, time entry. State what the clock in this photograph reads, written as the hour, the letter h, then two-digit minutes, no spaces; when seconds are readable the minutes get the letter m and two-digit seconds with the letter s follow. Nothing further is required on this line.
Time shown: 10h16
